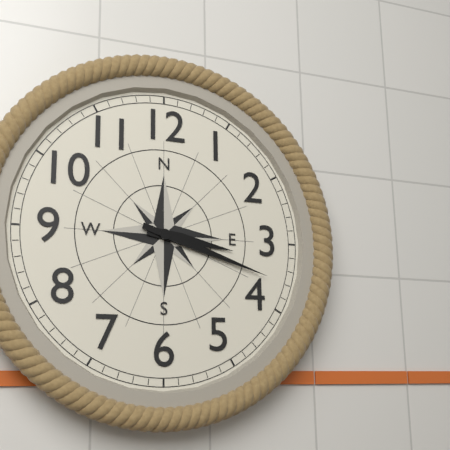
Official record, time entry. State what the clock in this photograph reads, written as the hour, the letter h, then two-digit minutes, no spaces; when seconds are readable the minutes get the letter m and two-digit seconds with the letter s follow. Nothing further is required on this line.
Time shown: 3h18
